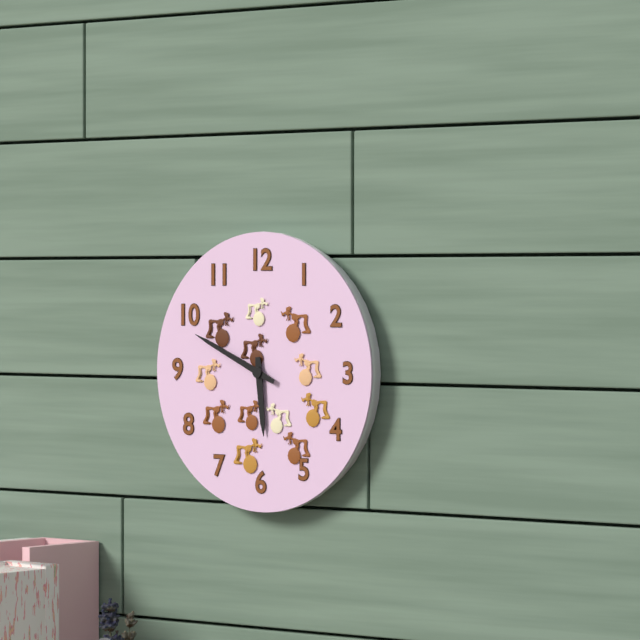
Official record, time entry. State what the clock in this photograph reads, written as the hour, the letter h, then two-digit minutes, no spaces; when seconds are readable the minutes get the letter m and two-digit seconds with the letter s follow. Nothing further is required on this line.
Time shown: 5h49
